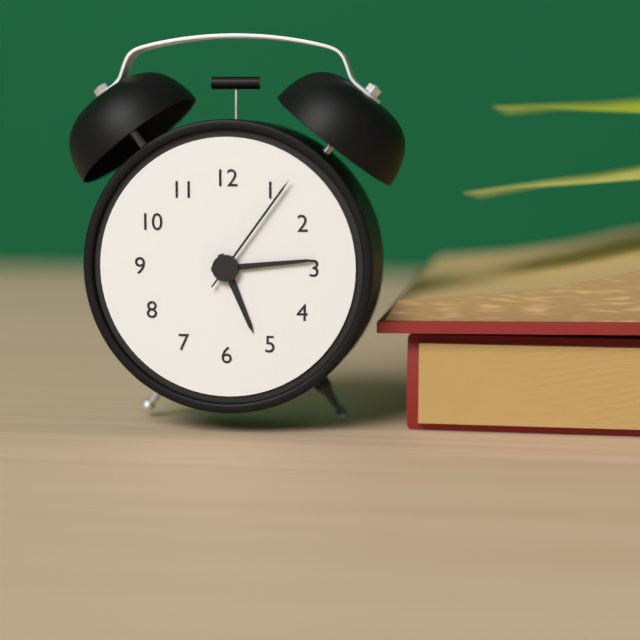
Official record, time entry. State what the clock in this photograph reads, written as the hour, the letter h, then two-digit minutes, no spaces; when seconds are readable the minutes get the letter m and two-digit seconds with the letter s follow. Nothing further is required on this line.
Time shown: 5h14m06s
